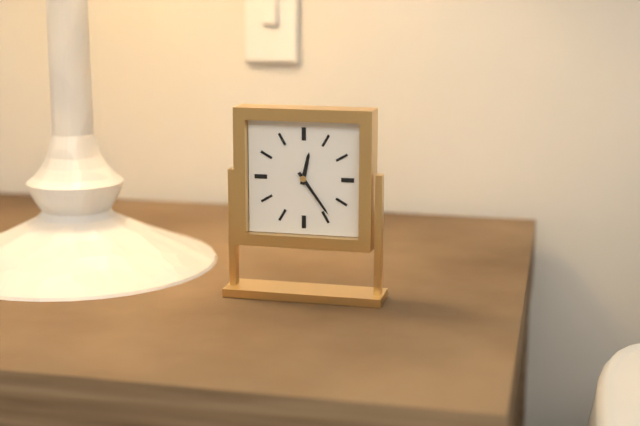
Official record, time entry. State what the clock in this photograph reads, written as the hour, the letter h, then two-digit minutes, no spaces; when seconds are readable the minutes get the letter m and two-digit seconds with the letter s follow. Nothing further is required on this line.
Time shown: 12h24
